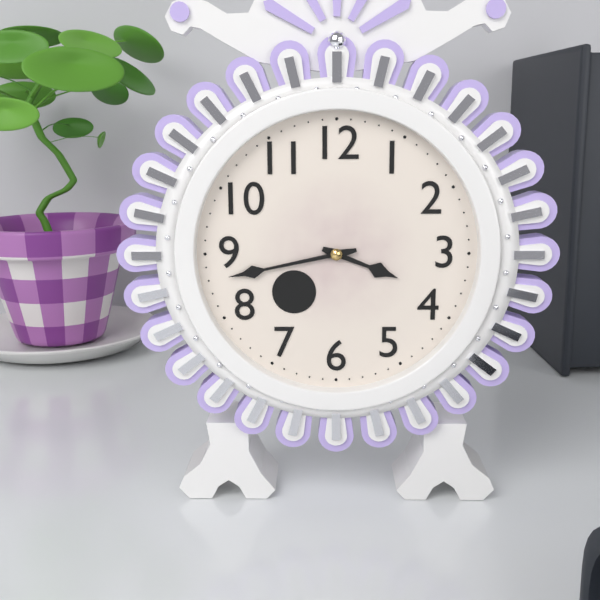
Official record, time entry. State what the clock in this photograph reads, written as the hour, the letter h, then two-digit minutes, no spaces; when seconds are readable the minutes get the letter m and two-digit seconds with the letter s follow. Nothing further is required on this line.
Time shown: 3h43
